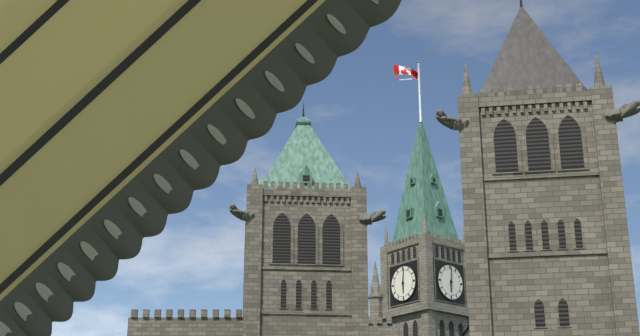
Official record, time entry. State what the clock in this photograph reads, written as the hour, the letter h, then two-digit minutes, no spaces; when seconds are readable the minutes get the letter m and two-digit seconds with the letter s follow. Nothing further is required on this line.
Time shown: 6h01
